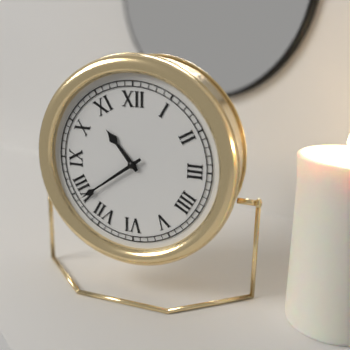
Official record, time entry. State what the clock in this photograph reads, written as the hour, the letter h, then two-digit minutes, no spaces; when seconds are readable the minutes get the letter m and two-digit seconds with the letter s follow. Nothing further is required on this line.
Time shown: 10h39
